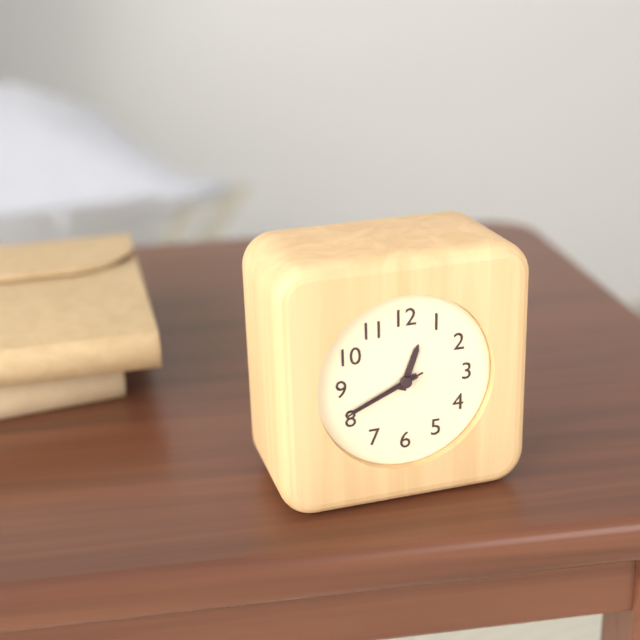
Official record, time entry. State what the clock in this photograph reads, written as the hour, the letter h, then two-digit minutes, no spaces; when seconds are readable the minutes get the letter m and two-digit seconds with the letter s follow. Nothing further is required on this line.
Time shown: 12h41m41s
